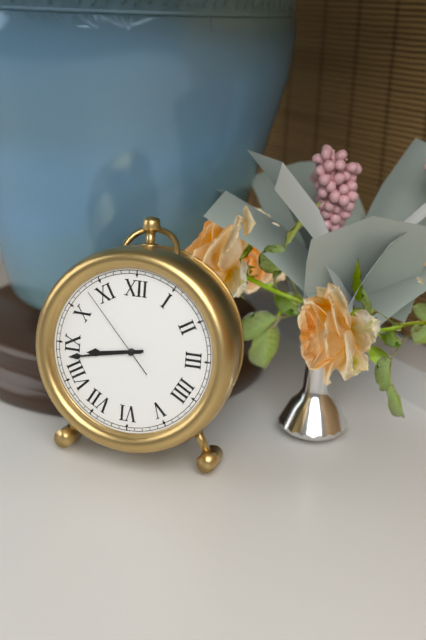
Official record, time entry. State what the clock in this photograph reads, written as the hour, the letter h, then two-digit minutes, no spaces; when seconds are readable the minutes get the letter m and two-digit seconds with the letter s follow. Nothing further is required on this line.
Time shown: 8h43m53s
